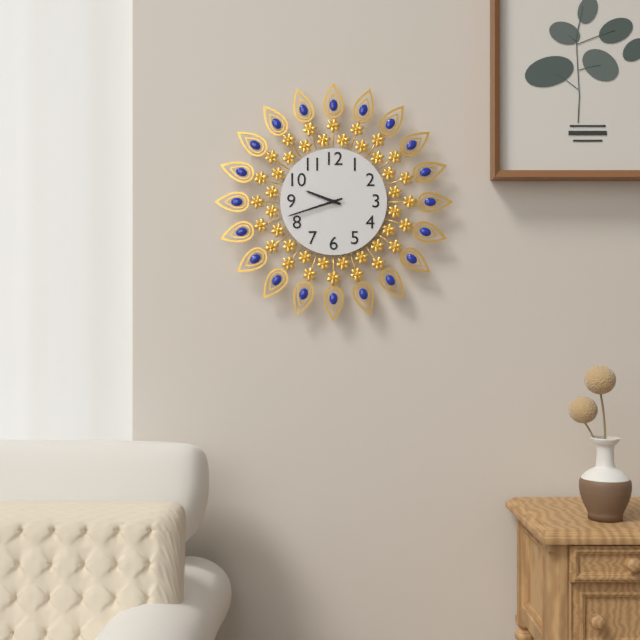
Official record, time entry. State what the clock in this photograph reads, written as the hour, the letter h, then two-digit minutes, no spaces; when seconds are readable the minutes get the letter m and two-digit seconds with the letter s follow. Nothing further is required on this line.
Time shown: 9h42
